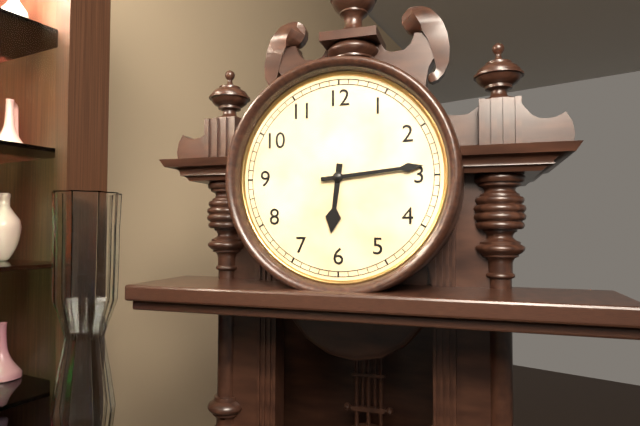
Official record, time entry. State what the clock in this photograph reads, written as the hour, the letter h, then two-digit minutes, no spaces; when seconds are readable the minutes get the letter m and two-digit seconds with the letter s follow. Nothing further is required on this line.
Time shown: 6h14
